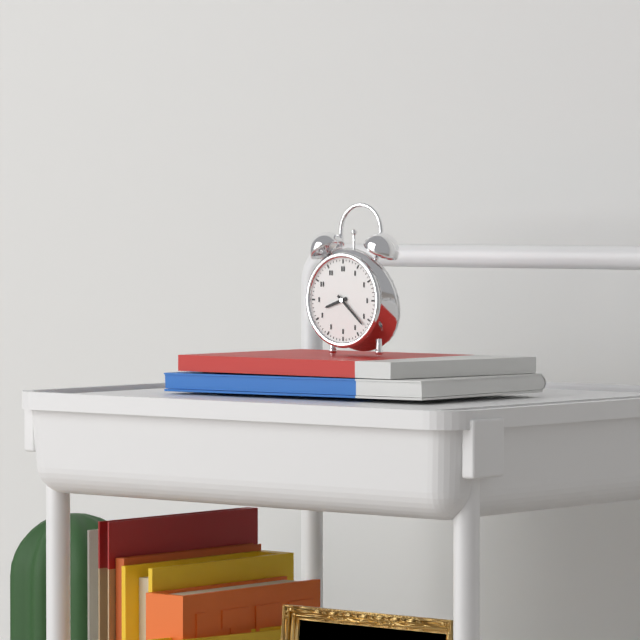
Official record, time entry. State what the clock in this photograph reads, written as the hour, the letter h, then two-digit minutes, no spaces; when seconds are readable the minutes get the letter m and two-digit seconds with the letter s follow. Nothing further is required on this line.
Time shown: 8h22
